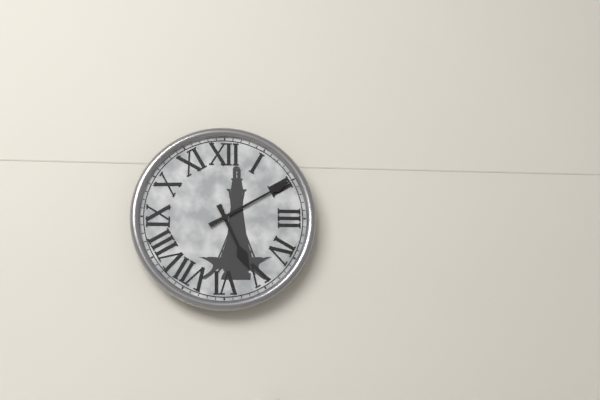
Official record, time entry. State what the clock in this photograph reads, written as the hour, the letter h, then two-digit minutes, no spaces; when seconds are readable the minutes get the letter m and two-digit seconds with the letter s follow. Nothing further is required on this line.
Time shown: 5h10
